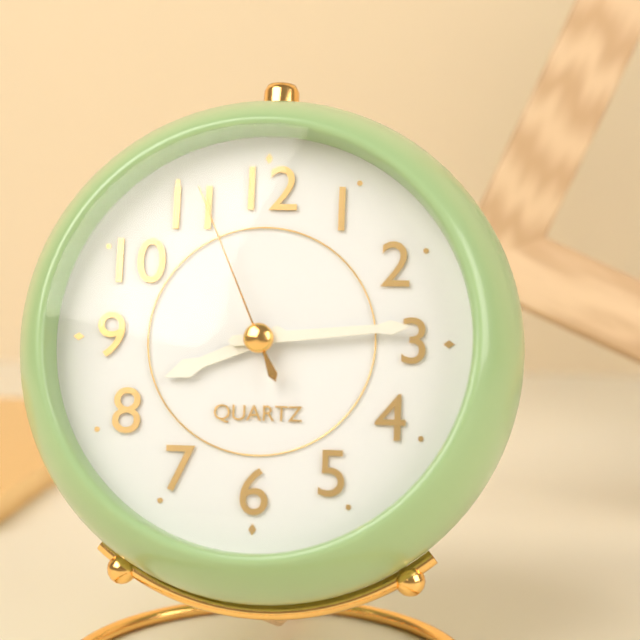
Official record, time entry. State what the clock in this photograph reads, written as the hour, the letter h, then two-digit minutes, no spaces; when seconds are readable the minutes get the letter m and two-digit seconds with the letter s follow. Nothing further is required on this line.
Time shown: 8h14m56s
